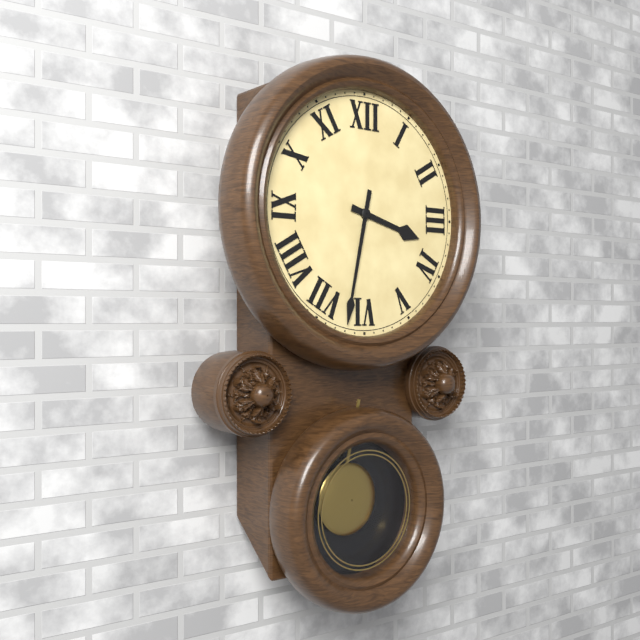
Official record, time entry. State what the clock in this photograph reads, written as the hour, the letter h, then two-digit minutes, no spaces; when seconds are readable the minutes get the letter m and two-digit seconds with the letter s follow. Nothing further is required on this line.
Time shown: 3h32
